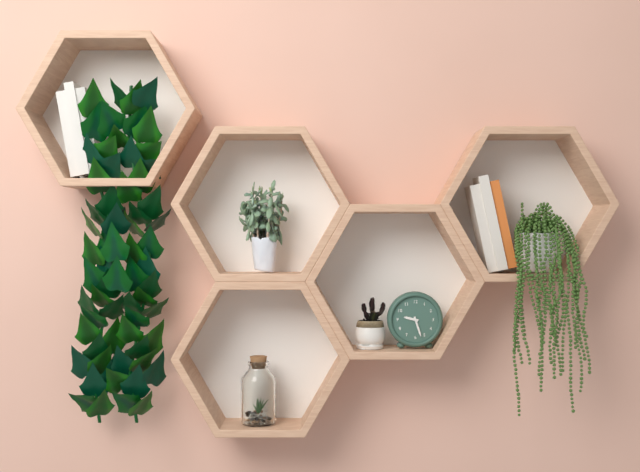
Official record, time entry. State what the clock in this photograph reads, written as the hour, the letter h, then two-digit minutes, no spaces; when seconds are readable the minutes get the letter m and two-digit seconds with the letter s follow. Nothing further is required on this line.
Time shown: 9h27
